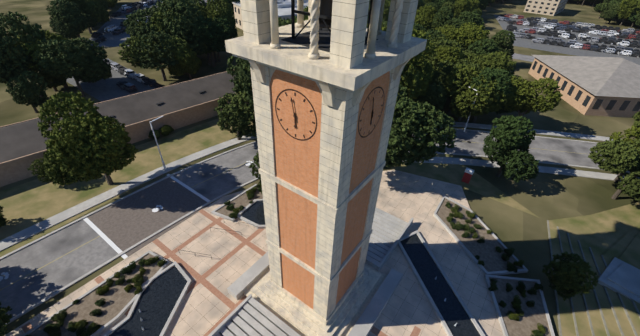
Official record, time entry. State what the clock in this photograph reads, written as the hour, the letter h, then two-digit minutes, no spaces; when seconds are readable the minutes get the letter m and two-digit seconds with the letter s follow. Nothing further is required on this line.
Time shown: 5h58
